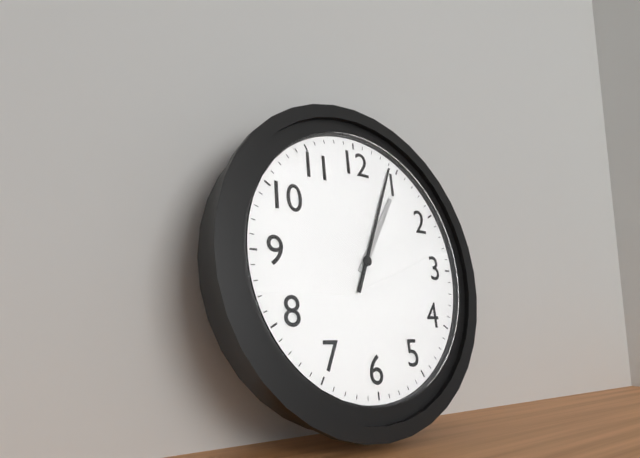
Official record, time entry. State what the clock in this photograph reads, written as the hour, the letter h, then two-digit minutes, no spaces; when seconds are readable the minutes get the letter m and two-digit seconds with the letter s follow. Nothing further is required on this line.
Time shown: 1h04
